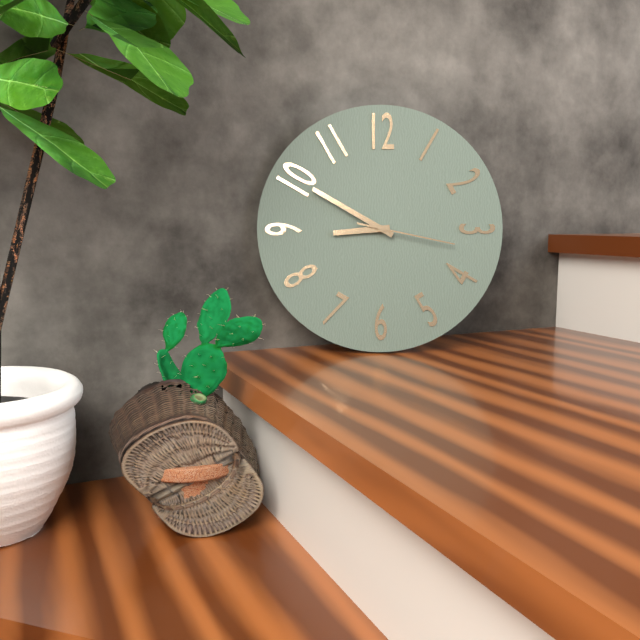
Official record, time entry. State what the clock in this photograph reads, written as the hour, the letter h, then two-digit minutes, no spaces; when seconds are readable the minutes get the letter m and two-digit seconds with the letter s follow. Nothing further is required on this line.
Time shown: 8h50m17s
